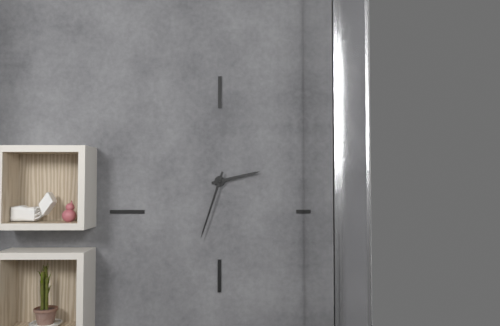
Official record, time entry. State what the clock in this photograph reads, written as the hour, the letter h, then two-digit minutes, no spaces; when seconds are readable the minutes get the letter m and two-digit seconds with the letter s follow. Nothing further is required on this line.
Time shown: 2h33
